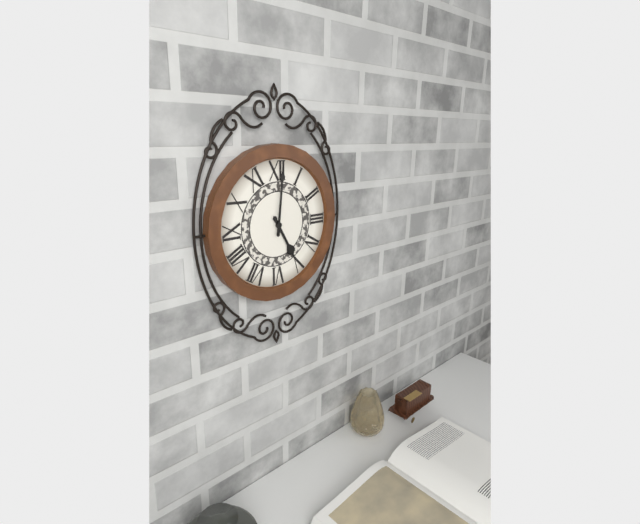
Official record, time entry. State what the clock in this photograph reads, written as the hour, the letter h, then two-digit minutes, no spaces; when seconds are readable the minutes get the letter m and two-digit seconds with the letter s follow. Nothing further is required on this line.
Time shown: 5h01
